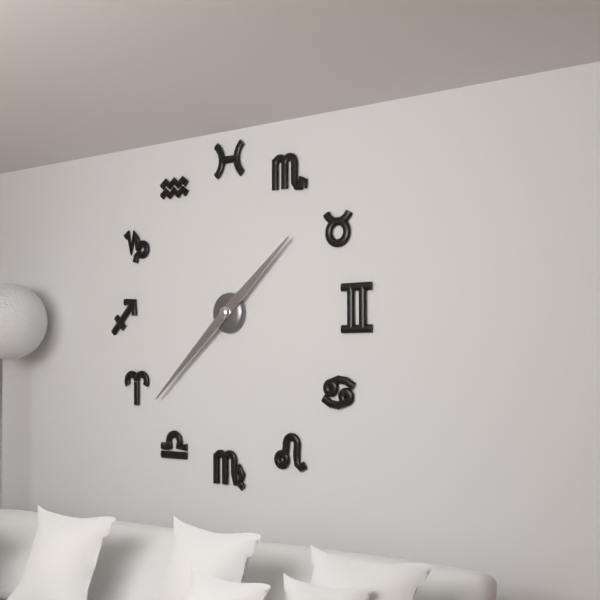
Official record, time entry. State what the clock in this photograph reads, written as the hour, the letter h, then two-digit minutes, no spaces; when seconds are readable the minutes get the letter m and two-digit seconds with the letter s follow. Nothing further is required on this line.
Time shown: 1h38
